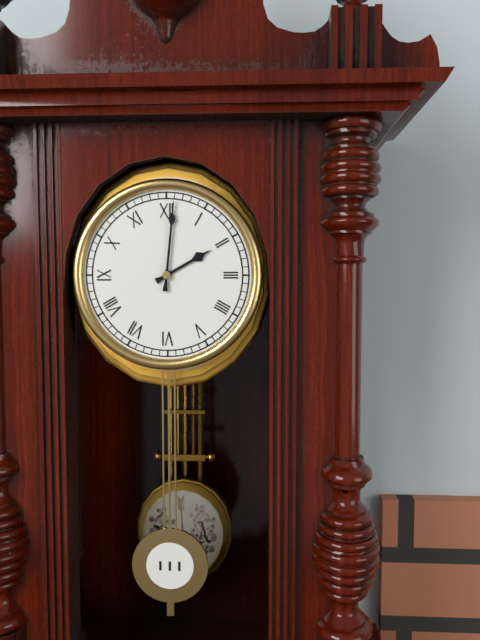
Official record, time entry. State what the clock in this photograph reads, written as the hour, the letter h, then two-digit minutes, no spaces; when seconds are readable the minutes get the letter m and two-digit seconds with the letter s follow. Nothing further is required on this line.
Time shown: 2h01
